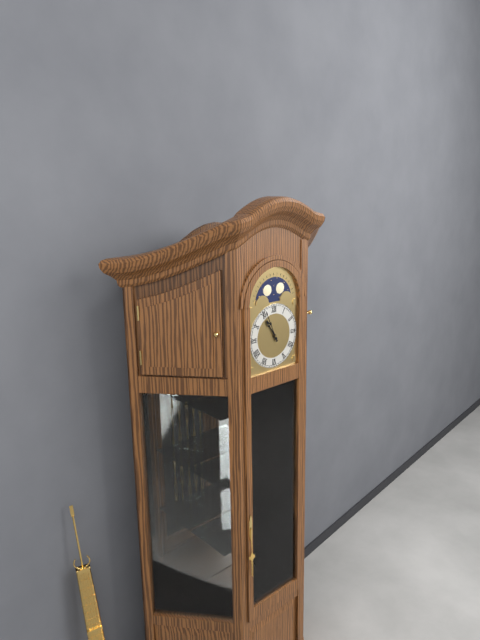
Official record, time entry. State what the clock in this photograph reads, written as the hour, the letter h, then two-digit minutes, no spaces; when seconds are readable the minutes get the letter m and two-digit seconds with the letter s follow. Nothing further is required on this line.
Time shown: 10h56
